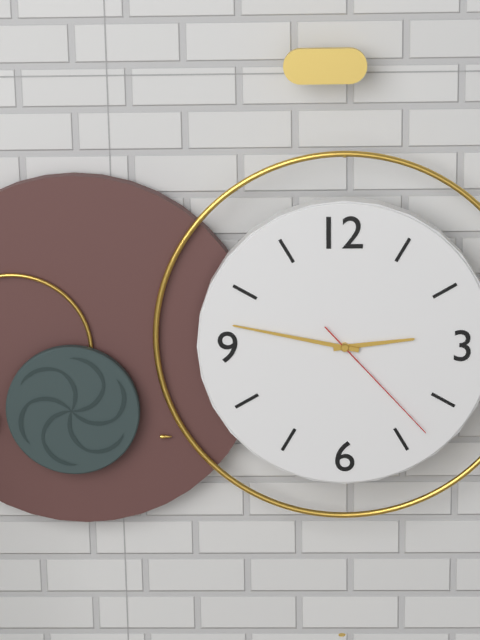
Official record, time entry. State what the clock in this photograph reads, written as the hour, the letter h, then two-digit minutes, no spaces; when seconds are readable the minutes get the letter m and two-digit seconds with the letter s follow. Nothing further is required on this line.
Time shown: 2h47m23s
